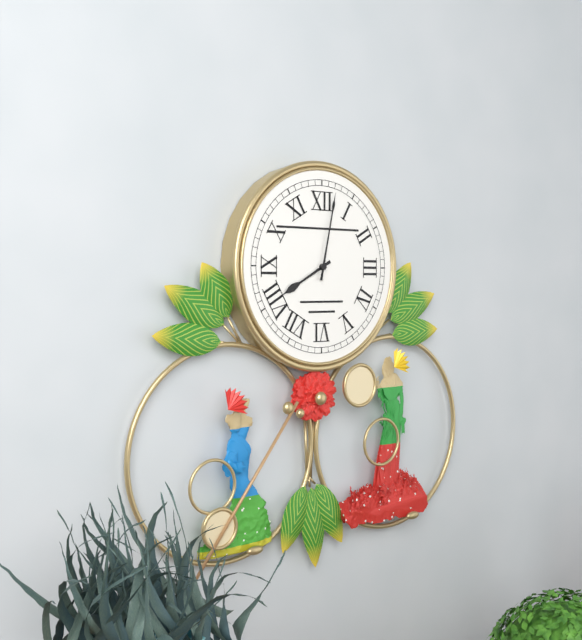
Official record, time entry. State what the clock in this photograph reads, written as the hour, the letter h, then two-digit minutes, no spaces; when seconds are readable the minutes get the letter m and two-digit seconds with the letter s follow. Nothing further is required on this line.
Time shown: 8h02
